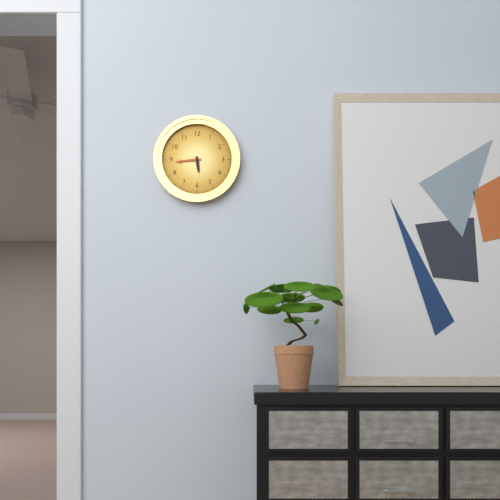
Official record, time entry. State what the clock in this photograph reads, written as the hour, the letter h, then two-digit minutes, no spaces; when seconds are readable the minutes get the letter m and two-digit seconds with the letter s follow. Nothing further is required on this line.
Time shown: 5h44
